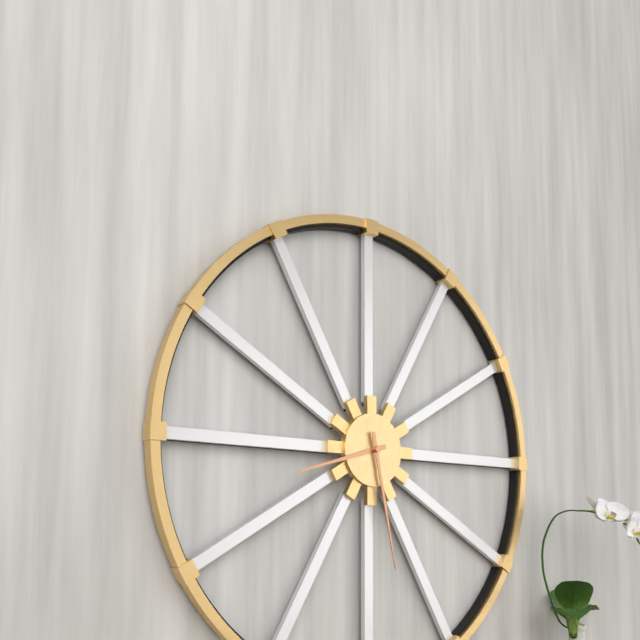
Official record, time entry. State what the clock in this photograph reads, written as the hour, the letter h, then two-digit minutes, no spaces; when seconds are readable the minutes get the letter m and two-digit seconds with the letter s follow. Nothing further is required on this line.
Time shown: 8h28
